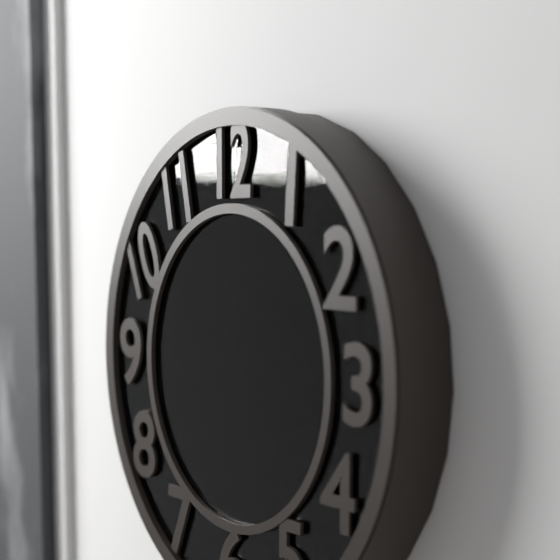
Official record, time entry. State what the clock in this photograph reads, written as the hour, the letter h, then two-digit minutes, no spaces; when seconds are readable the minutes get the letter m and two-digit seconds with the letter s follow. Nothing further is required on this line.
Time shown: 8h01
